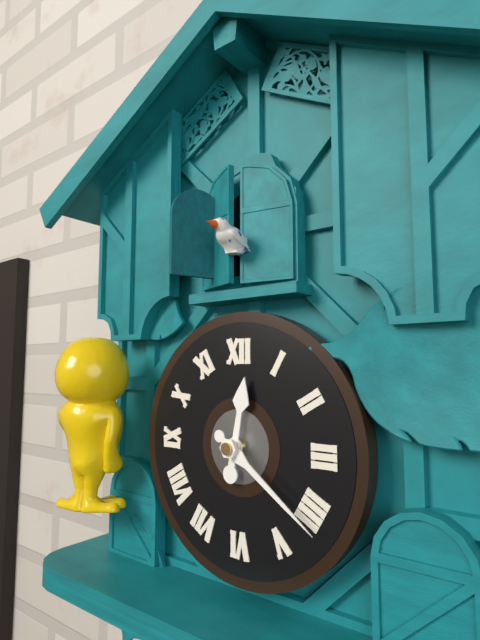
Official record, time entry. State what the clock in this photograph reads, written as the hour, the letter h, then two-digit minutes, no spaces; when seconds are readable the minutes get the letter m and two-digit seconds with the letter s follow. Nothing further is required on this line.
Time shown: 12h21
